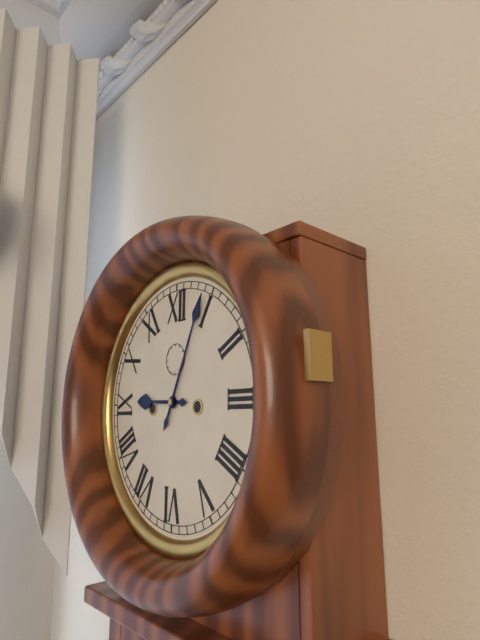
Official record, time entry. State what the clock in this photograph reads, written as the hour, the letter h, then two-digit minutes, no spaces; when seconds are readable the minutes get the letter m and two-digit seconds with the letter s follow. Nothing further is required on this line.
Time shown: 9h04
